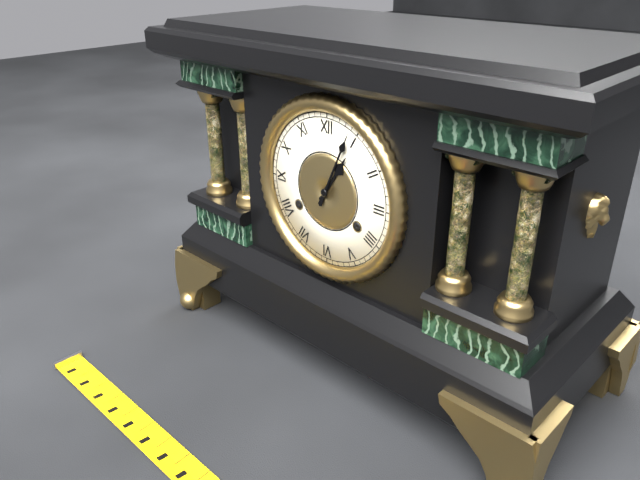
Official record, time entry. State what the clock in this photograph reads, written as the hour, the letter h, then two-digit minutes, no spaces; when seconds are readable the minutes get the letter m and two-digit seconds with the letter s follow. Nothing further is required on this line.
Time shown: 1h04
